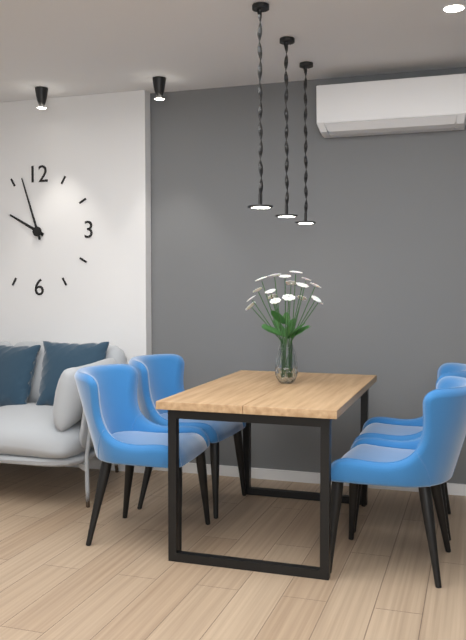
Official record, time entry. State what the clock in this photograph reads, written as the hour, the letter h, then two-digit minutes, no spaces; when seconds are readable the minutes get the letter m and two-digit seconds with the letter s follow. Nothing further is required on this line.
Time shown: 9h57
